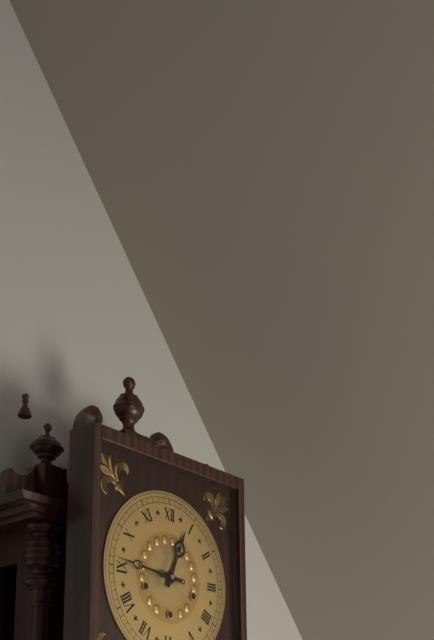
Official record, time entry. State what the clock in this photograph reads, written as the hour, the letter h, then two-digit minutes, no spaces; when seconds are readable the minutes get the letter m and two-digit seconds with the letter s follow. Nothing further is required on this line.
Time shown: 12h46
